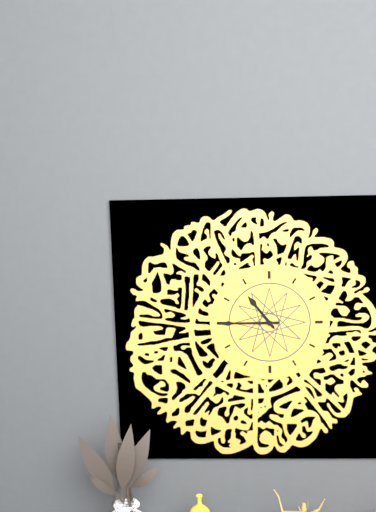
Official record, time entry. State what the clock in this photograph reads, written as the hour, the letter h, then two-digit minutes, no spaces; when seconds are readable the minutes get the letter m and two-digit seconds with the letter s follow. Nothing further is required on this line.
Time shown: 10h45
